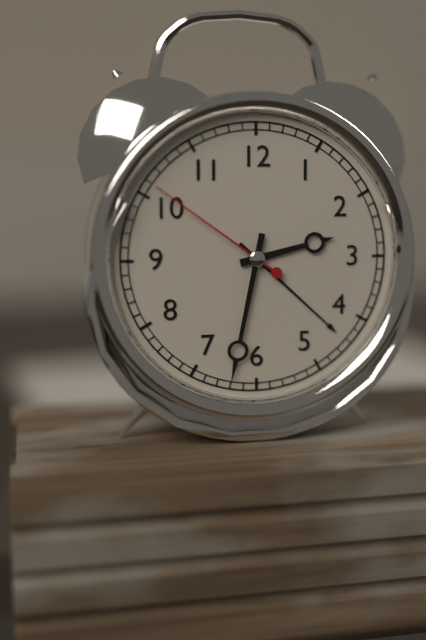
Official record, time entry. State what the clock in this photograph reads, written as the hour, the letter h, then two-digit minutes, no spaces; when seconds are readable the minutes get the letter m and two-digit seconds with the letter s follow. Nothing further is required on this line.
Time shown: 2h32m51s
